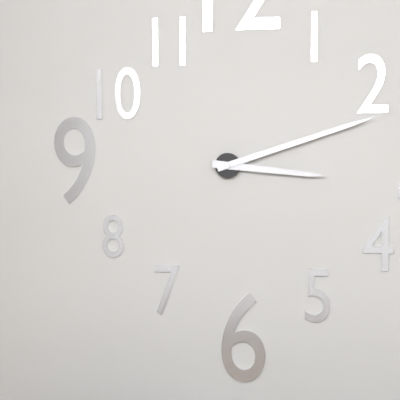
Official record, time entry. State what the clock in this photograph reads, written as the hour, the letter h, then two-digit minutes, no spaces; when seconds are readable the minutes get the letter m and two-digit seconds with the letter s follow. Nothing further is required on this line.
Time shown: 3h12
